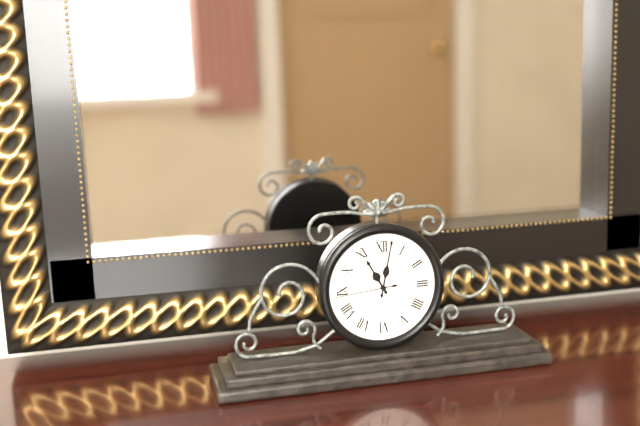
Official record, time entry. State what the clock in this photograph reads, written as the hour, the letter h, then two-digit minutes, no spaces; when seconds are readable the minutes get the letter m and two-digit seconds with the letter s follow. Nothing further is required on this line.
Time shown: 11h02m44s
